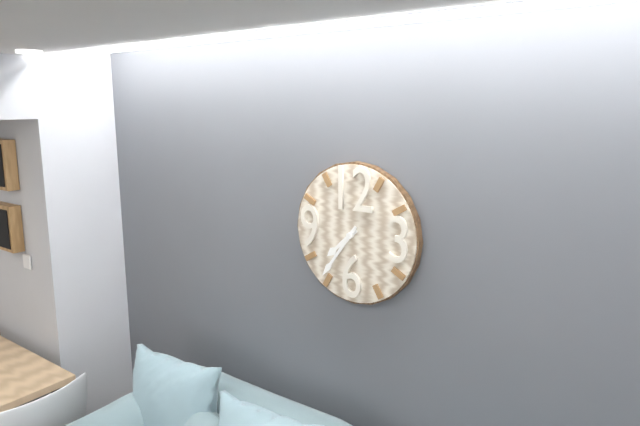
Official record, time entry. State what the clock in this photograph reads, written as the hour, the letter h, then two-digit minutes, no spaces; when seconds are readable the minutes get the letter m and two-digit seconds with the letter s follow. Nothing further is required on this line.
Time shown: 7h36
